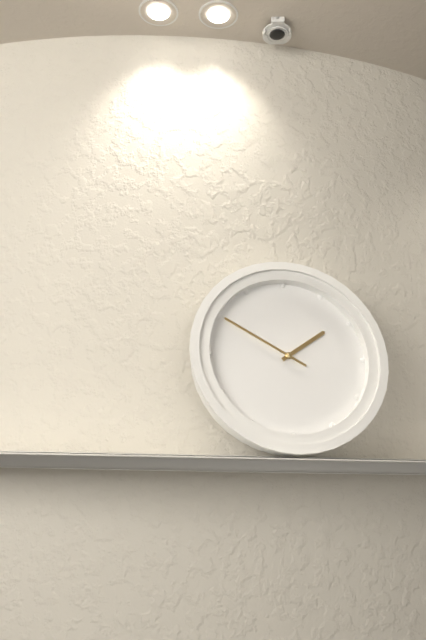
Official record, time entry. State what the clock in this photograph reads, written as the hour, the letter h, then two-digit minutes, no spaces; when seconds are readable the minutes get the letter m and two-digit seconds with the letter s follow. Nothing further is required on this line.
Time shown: 1h50
